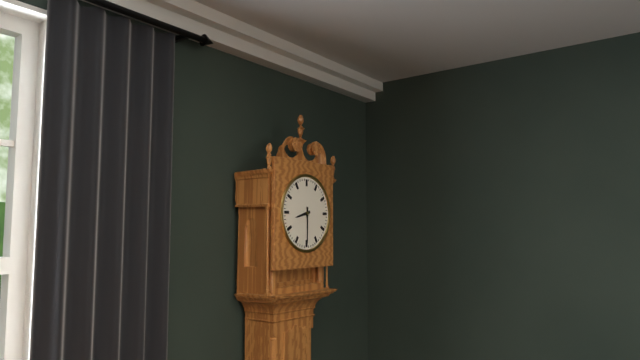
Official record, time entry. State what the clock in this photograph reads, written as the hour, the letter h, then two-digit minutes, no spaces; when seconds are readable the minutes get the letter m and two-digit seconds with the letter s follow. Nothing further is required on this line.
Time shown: 8h30
